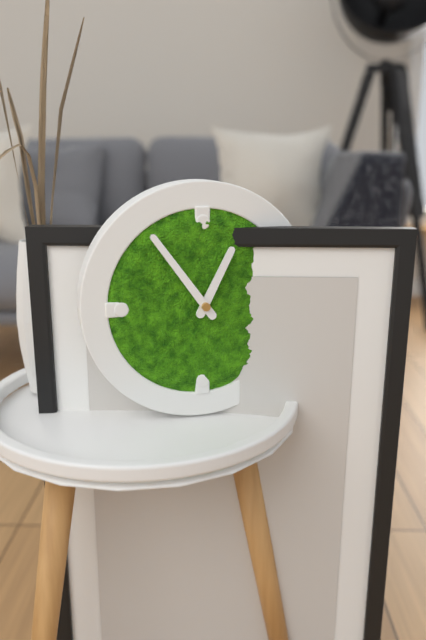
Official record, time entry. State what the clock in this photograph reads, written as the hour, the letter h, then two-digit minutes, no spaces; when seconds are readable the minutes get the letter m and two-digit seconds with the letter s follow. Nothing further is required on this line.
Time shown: 12h54
